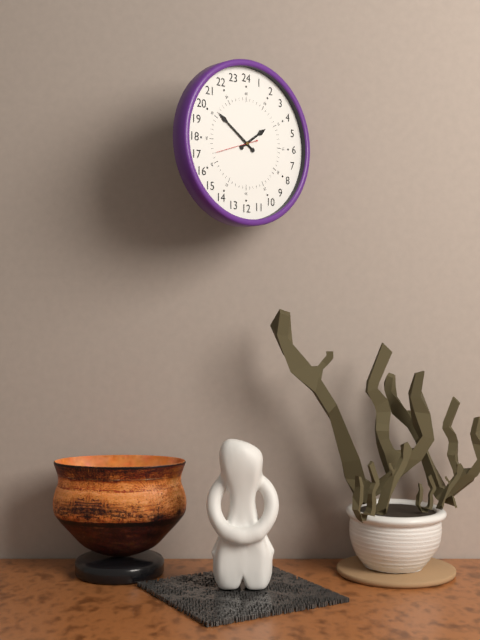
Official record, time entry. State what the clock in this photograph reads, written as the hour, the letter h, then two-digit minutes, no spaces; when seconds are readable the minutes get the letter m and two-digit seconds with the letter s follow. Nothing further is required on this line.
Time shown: 1h51
